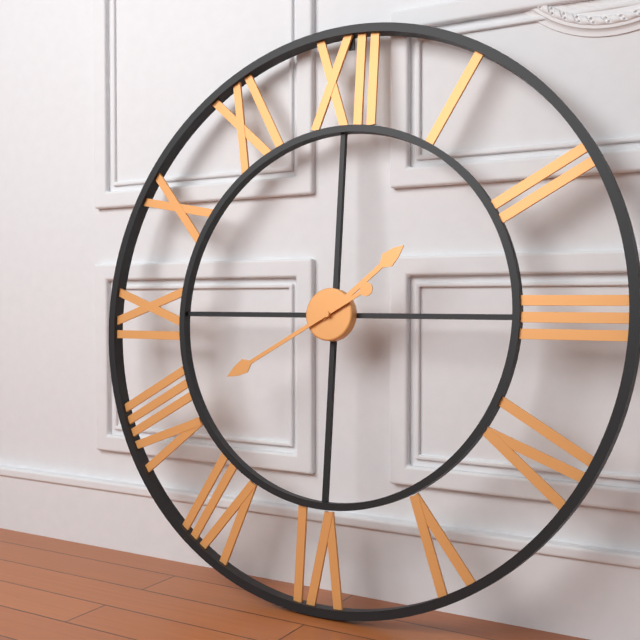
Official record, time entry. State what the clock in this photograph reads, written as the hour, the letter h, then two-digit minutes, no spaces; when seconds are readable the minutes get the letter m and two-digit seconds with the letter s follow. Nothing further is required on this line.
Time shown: 1h40
